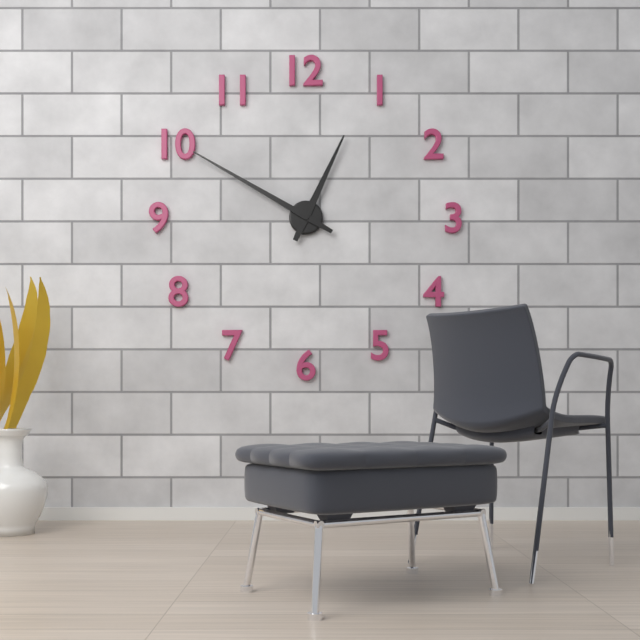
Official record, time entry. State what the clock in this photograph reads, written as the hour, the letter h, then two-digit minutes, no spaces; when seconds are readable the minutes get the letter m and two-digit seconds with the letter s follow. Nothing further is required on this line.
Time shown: 12h50
